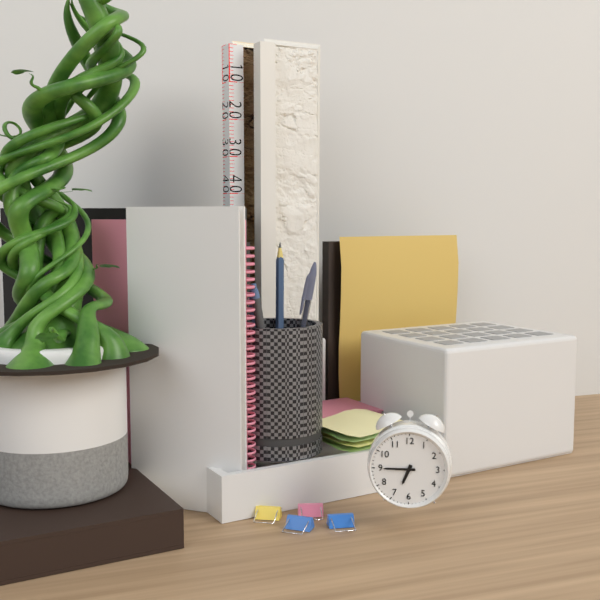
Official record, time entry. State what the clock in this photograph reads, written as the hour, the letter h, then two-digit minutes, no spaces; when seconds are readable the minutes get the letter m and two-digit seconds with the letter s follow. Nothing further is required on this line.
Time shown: 6h45
